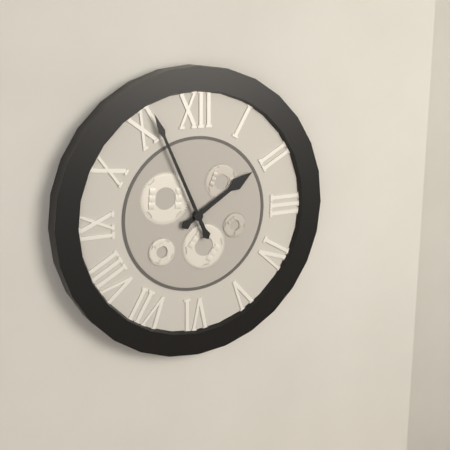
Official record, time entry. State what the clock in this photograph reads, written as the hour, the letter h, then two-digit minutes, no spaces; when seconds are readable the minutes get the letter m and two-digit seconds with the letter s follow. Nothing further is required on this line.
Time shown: 1h56
